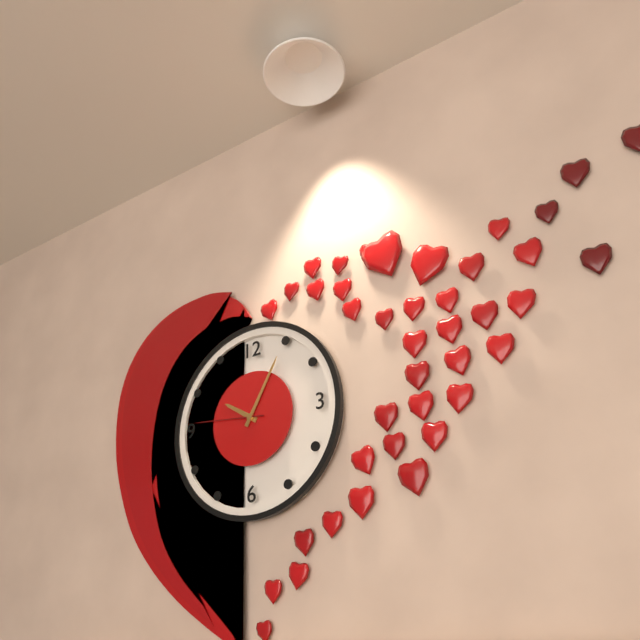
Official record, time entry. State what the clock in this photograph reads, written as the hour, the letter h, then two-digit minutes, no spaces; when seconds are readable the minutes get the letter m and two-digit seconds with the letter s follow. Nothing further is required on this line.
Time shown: 10h05m46s
